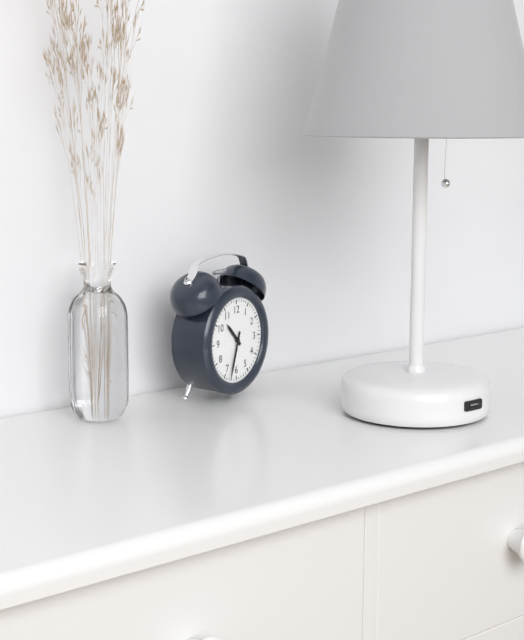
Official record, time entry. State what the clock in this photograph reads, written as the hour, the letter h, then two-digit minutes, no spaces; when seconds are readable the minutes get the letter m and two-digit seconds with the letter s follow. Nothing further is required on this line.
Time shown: 10h33
